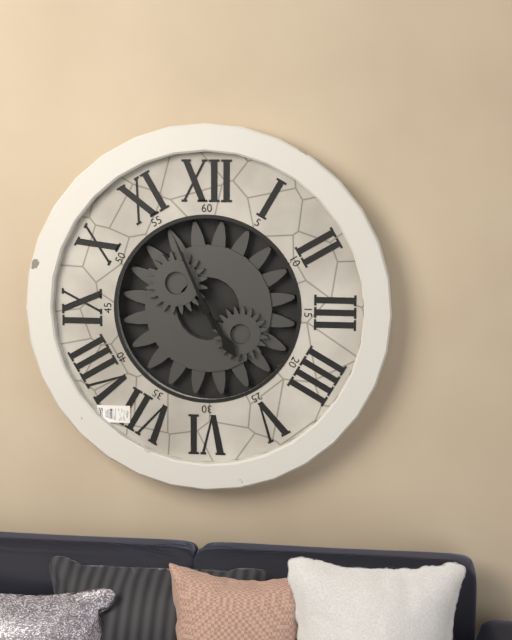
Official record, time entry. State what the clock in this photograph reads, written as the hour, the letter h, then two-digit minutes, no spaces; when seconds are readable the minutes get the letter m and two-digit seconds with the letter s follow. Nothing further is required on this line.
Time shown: 4h56
